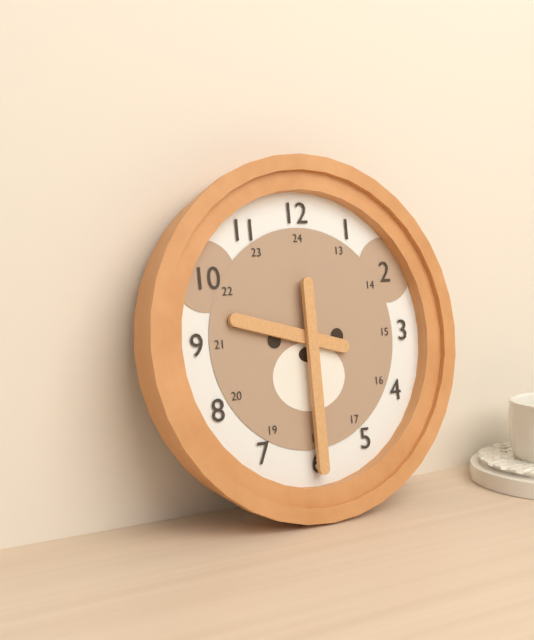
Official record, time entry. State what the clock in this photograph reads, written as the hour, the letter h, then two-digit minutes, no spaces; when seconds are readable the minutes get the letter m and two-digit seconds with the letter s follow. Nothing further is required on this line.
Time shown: 9h30
